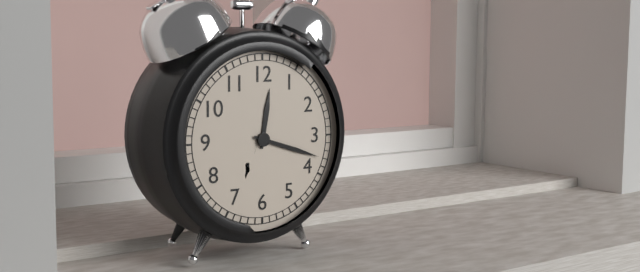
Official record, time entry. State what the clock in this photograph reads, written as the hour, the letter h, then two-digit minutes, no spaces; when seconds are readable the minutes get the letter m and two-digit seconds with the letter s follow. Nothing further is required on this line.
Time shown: 12h18
